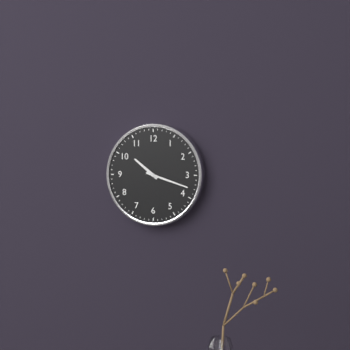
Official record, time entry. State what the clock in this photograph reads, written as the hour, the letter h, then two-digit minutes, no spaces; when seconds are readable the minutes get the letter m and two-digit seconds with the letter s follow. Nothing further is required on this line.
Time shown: 10h18
